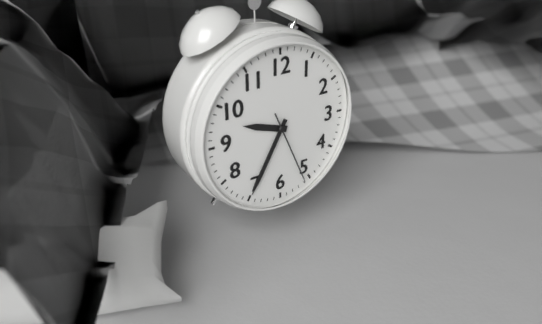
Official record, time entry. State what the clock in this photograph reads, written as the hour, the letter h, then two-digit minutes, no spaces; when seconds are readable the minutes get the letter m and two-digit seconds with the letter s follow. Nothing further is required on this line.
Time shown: 9h35m26s
